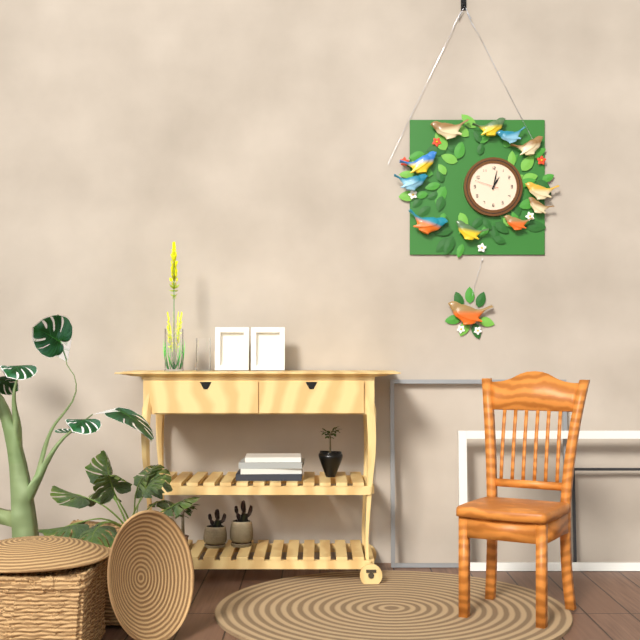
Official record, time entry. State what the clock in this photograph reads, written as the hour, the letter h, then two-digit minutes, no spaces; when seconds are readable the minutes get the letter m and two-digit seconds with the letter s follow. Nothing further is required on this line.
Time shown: 1h02
